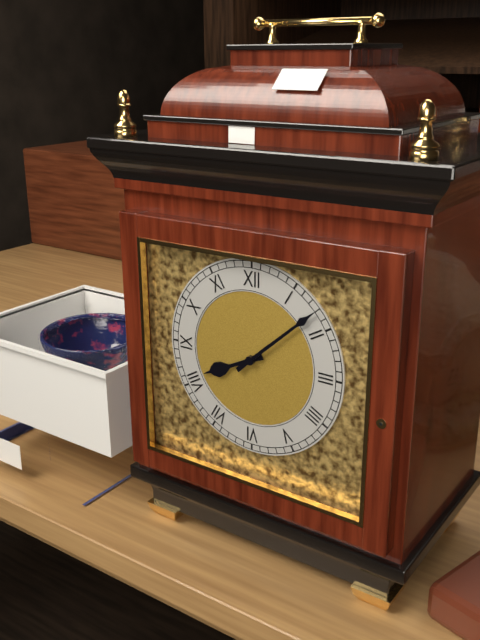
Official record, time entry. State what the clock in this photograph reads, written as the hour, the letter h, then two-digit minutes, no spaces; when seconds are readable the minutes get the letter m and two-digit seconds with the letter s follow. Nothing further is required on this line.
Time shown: 8h08
